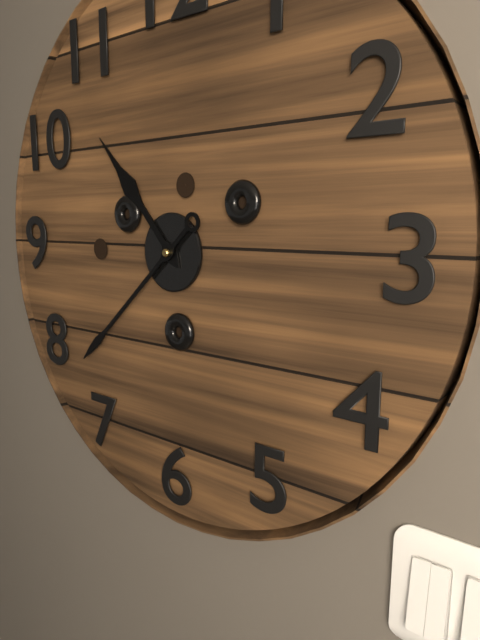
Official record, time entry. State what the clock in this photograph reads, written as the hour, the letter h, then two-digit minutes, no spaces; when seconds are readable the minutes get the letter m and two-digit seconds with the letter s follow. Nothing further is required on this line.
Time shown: 10h38
